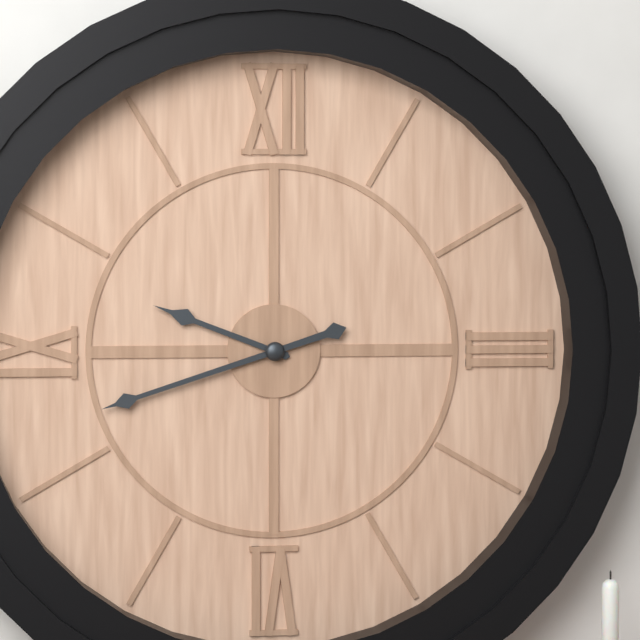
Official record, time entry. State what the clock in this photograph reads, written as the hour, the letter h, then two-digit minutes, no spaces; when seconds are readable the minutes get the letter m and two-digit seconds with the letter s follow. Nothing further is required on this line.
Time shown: 9h42
